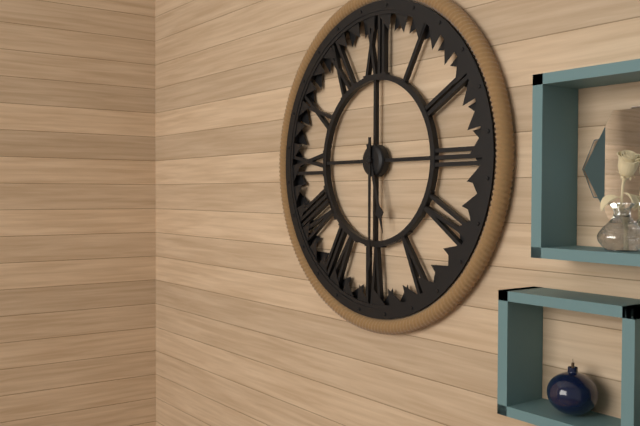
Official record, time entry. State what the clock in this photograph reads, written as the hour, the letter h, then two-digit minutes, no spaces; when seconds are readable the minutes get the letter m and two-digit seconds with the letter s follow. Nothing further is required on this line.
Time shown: 5h30
